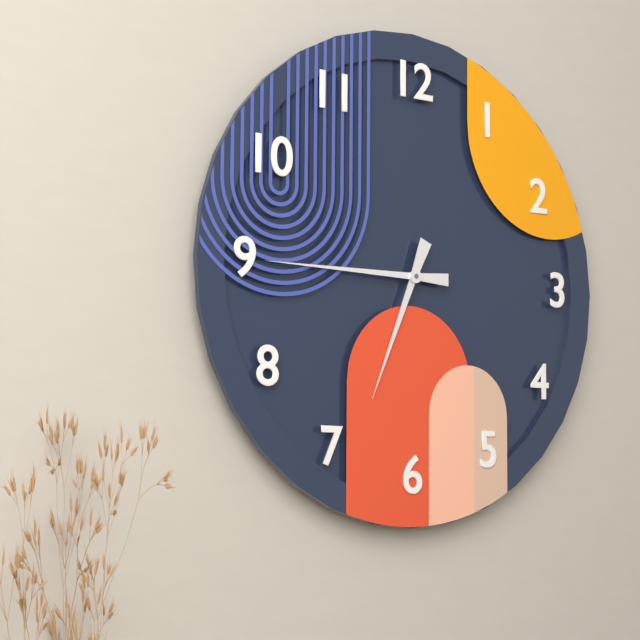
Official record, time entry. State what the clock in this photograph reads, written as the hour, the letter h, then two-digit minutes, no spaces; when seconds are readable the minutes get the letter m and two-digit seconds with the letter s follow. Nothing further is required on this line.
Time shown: 6h45
